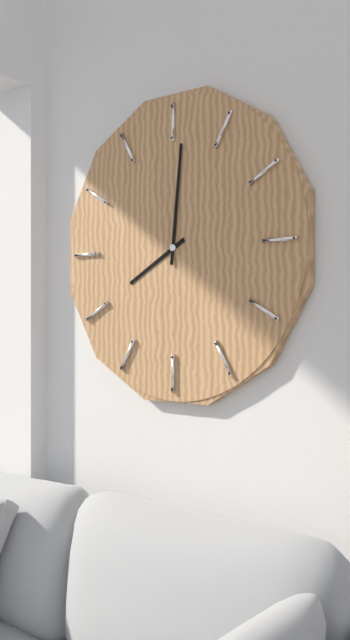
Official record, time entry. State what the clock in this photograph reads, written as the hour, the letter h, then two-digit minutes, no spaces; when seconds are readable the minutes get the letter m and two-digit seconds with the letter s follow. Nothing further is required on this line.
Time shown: 8h01
